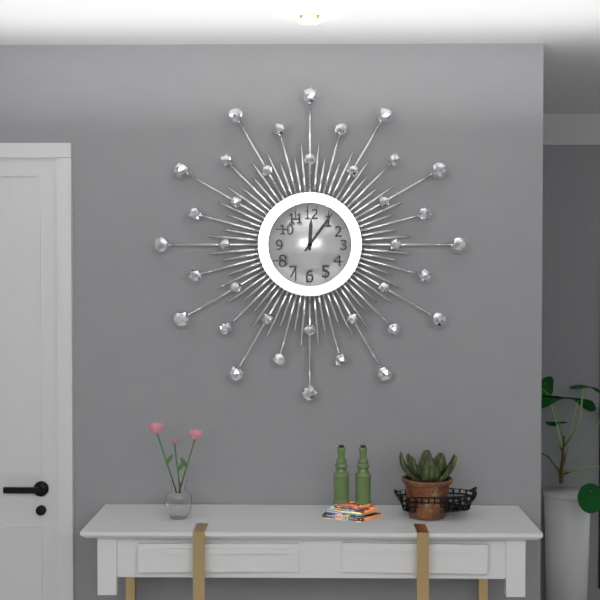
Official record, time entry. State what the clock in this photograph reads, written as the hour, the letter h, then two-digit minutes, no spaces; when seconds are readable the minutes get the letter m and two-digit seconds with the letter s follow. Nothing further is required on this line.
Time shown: 12h06
